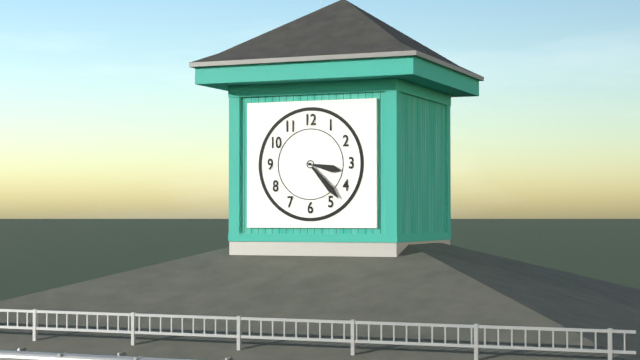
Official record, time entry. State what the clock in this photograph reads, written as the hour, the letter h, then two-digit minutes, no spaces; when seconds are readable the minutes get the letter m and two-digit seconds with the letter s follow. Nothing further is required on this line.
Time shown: 3h23
